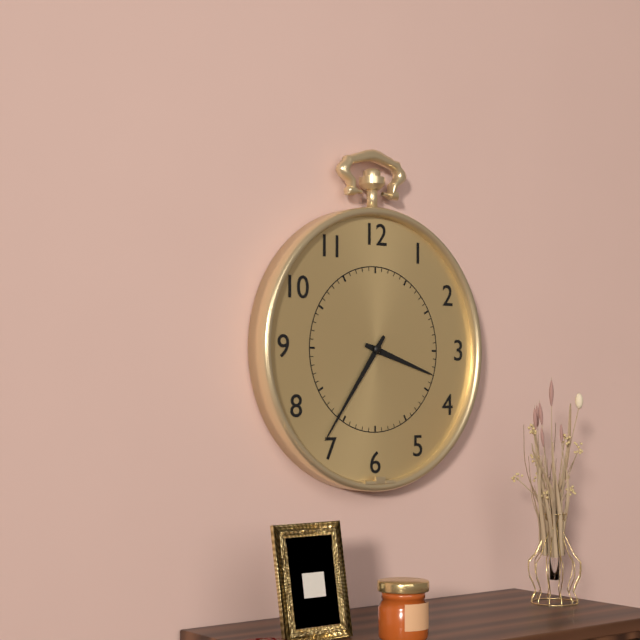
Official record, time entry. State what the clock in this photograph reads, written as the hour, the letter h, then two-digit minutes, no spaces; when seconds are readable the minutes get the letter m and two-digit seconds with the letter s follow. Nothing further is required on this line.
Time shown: 3h36
